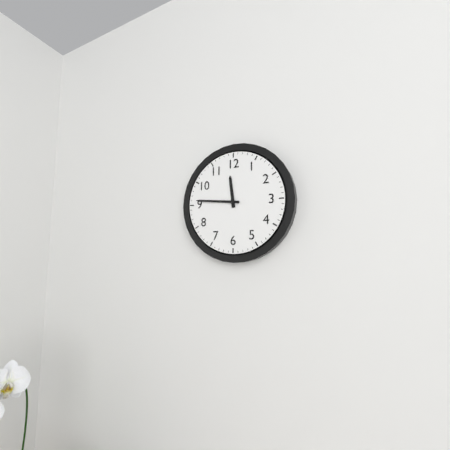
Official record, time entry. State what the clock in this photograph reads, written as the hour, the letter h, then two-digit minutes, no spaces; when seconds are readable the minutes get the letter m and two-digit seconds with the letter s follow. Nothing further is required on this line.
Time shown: 11h46
